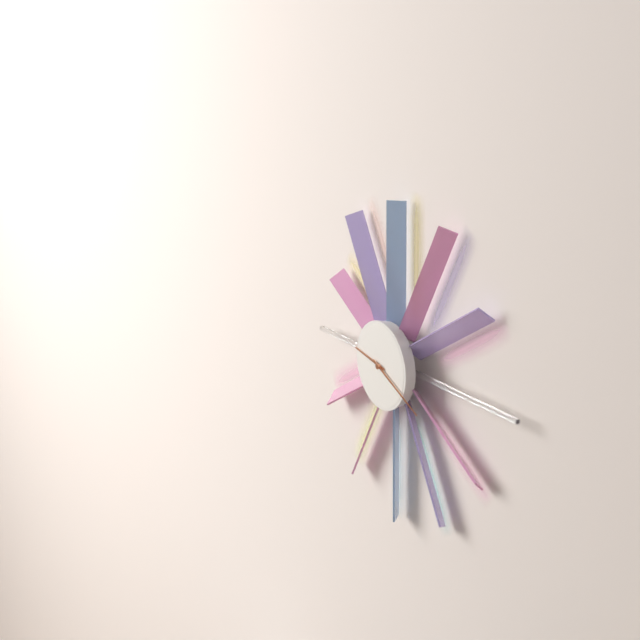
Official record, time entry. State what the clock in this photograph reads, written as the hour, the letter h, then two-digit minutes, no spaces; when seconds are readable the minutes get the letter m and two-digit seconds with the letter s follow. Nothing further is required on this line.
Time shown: 9h19
